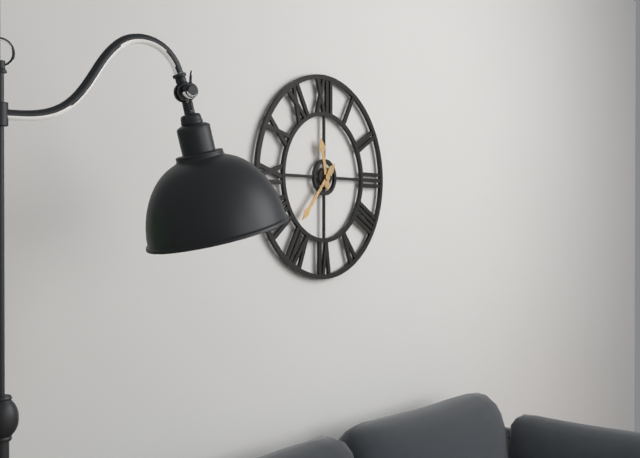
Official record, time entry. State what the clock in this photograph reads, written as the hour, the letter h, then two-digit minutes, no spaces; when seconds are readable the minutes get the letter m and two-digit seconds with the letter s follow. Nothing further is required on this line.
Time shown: 11h37
